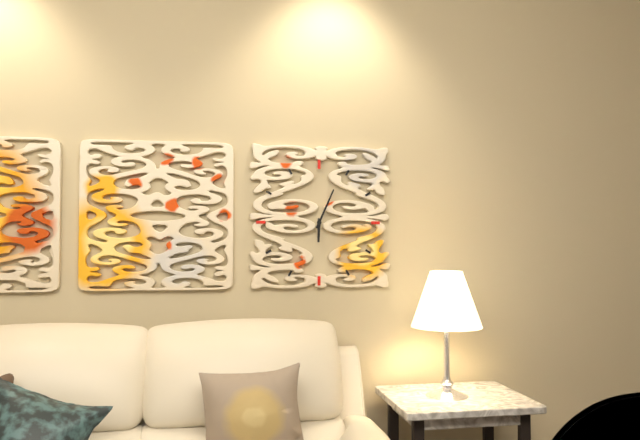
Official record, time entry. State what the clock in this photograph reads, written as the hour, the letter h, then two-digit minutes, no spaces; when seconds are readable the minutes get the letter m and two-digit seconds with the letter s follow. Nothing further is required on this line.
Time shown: 6h04
